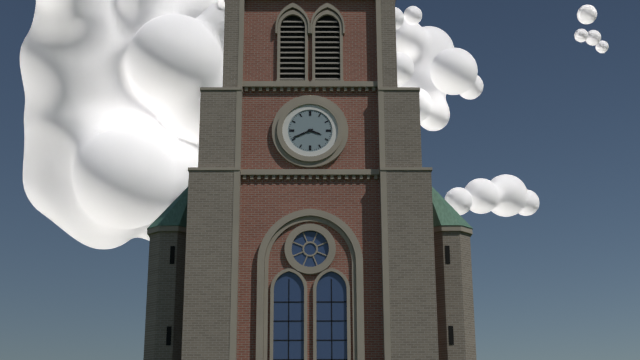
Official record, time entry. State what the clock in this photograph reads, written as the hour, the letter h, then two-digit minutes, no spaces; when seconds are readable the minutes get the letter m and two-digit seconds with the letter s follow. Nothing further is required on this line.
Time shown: 3h41
